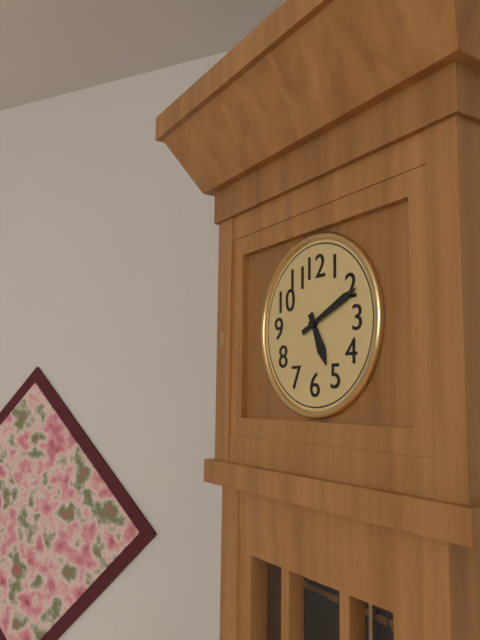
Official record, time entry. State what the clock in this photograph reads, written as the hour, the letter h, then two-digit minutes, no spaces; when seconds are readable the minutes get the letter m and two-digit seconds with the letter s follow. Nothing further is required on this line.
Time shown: 5h11
